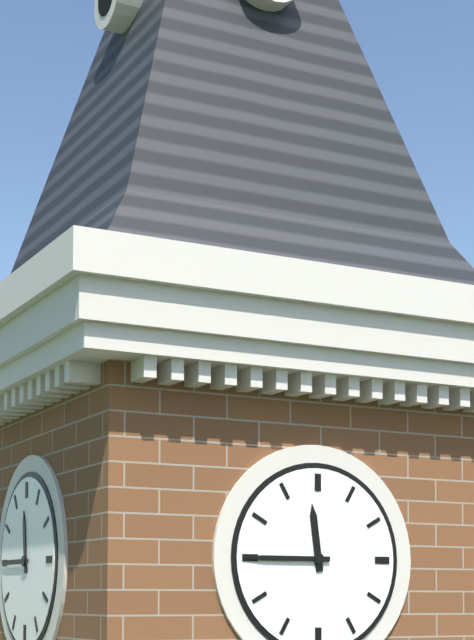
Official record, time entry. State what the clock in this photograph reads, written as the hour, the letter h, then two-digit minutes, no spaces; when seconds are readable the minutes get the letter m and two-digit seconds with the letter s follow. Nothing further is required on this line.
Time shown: 11h45
